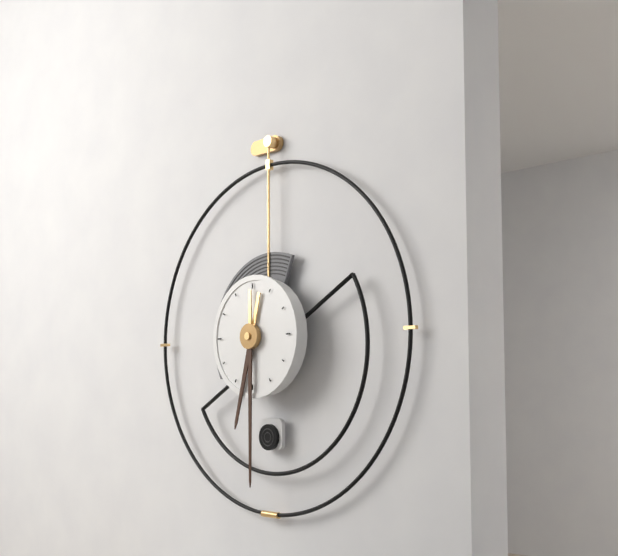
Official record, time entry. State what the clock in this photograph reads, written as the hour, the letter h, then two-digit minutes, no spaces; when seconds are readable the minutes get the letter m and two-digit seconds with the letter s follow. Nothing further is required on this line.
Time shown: 6h30
